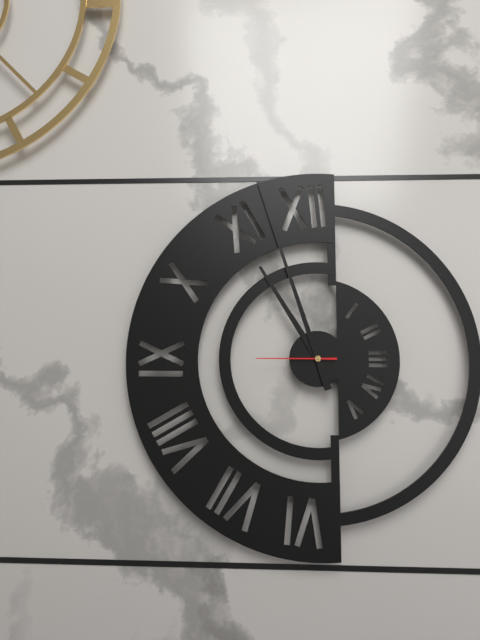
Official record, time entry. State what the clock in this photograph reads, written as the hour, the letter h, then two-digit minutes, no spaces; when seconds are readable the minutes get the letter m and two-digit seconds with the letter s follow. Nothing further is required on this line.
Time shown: 10h57m45s
